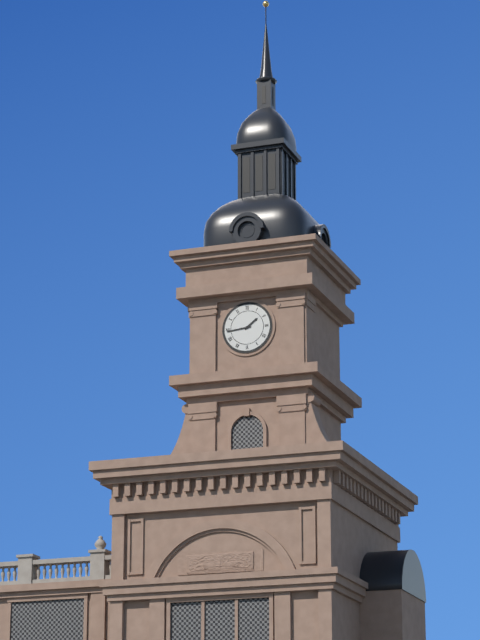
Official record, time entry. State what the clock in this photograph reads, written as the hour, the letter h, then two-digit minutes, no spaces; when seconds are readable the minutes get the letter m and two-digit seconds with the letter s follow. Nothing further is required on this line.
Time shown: 1h44
